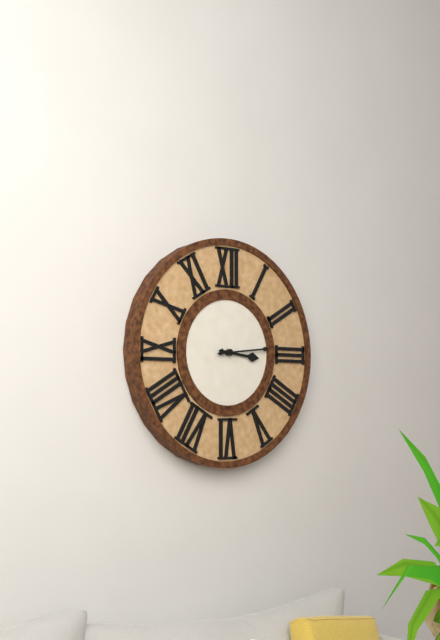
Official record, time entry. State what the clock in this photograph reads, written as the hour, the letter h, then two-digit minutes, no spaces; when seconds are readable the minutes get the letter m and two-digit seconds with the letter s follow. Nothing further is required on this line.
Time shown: 3h14
